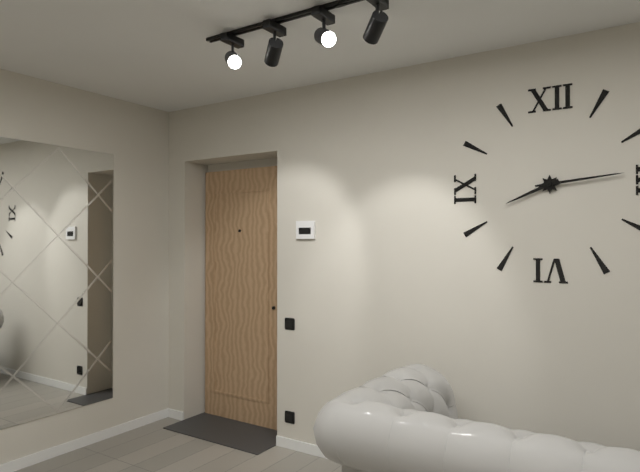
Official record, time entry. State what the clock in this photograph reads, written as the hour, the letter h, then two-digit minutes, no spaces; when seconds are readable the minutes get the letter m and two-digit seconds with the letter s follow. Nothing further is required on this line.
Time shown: 8h14
